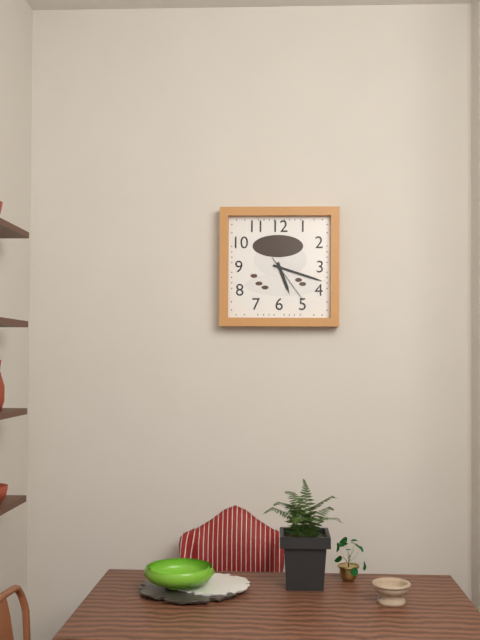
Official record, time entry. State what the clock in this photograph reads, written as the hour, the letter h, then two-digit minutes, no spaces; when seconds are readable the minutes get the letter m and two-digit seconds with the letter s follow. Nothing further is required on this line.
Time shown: 5h18m24s
